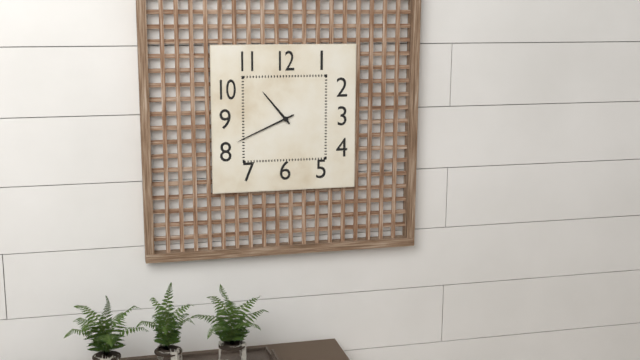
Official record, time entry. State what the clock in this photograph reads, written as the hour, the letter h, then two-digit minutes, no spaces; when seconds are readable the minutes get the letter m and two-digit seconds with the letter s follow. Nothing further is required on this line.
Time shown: 10h41
